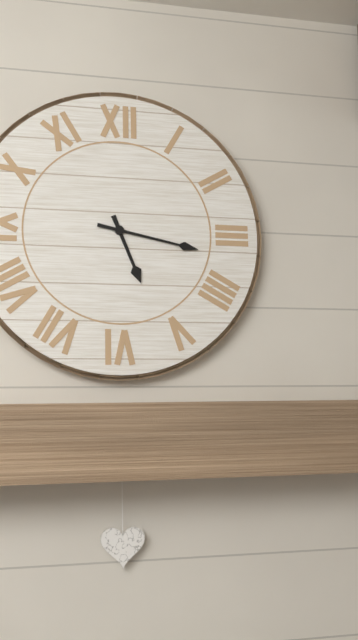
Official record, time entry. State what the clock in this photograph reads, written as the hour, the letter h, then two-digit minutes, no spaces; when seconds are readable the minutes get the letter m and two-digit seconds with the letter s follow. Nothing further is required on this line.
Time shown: 5h17
